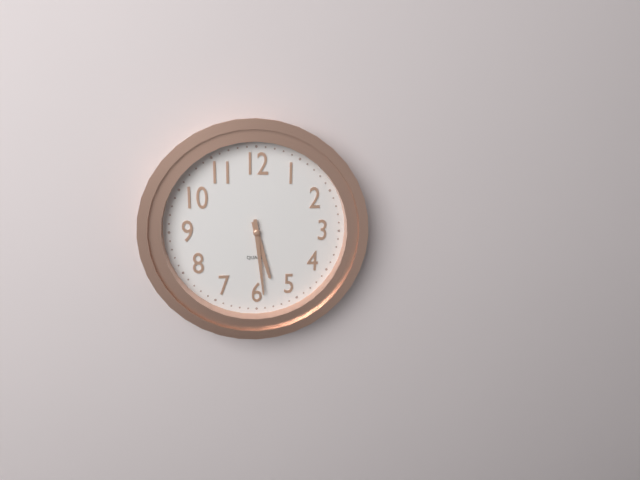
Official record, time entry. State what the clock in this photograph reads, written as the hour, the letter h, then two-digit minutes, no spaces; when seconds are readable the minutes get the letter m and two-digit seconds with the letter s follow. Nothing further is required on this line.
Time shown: 5h29
